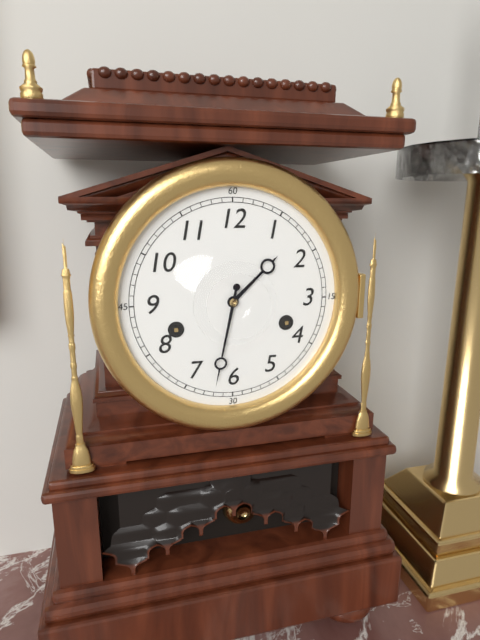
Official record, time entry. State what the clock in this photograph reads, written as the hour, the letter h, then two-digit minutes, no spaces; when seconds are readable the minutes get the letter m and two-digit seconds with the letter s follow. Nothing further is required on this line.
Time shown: 1h32
